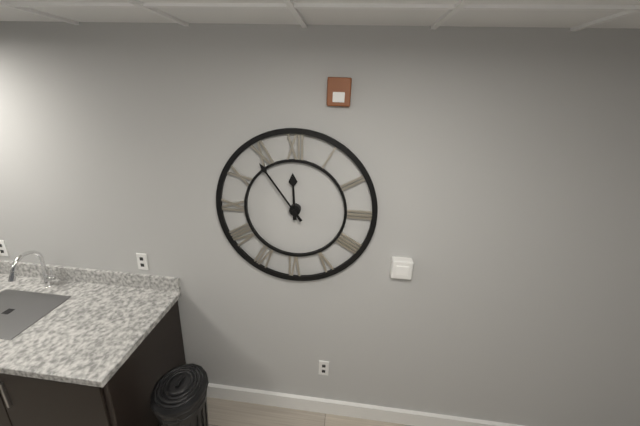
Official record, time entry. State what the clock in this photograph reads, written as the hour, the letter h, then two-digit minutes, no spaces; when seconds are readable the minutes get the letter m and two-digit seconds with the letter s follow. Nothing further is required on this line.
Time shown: 11h54
